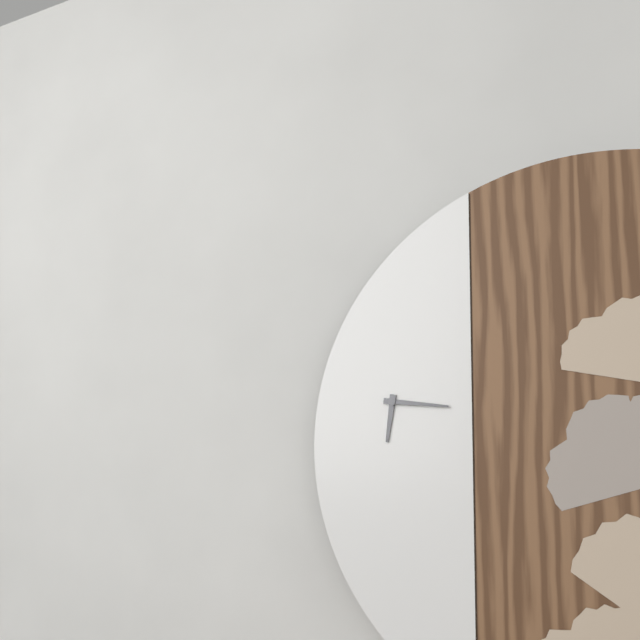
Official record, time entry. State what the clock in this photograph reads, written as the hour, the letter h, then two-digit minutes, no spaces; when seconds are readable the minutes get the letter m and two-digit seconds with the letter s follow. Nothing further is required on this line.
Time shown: 6h16
